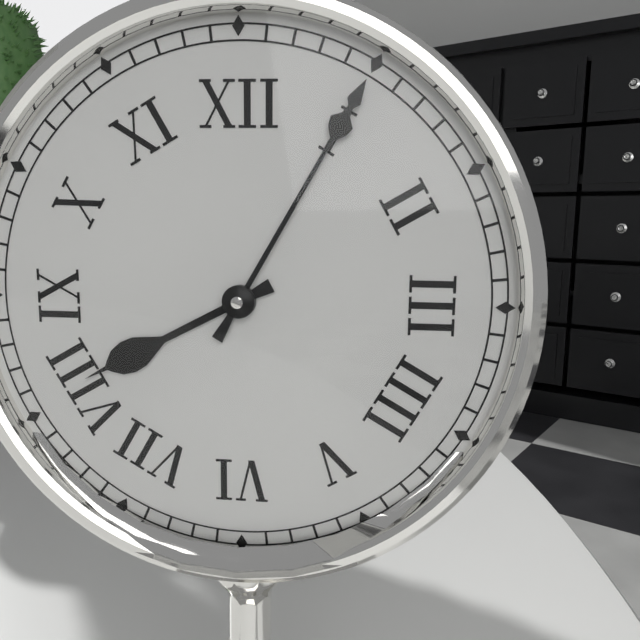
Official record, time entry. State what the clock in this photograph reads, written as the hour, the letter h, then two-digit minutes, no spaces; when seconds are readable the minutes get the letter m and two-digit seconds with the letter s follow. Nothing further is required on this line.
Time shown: 8h05
